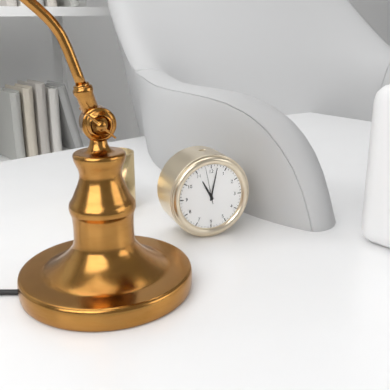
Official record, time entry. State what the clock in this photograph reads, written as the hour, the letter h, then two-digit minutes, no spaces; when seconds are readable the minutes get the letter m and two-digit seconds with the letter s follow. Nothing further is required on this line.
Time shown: 11h02
